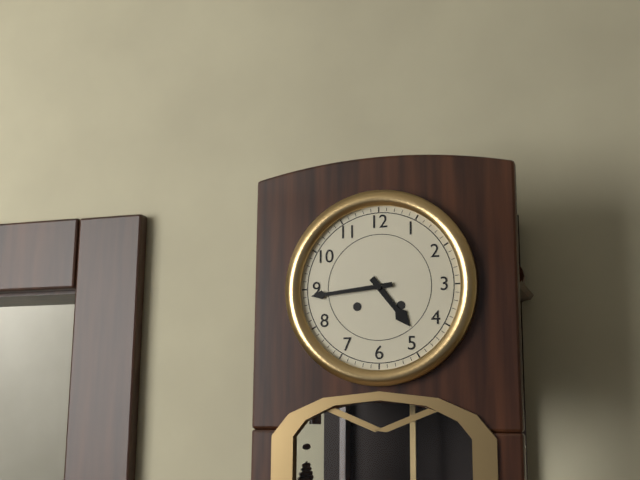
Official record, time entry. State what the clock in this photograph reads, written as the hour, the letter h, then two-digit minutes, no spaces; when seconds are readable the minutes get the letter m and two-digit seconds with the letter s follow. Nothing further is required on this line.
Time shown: 4h44
